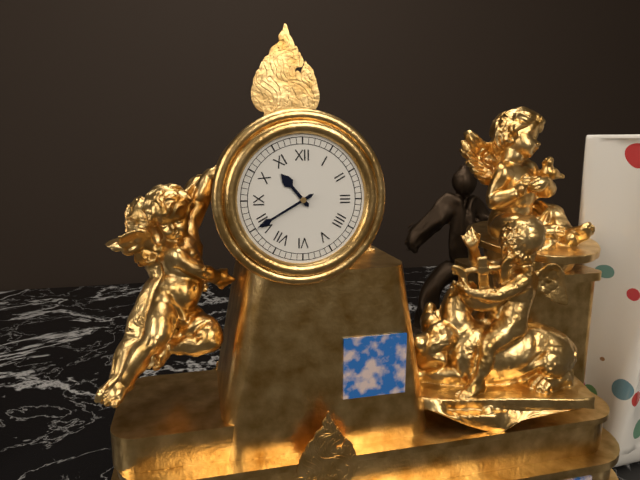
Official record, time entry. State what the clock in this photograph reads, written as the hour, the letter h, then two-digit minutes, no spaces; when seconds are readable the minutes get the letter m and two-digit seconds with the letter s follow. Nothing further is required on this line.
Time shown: 10h40
